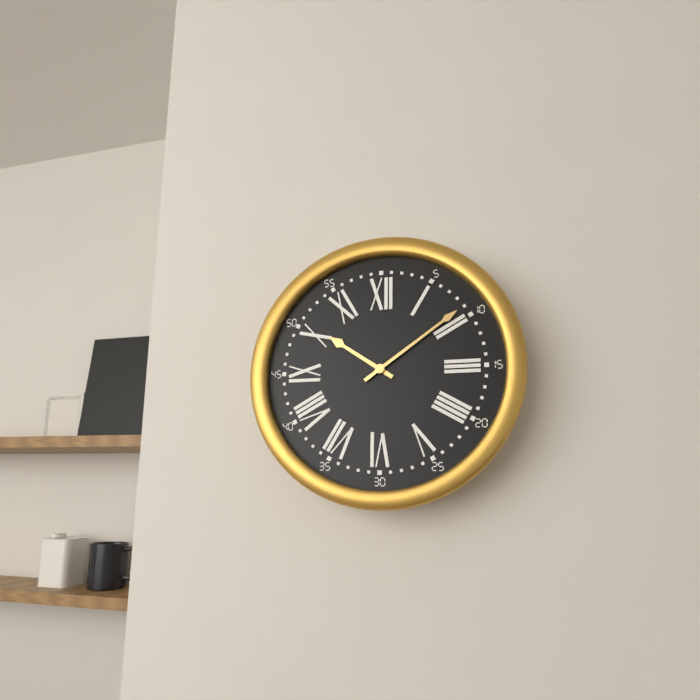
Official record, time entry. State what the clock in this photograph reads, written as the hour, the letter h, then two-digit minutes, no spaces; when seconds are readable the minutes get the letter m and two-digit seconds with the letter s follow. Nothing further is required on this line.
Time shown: 10h09
